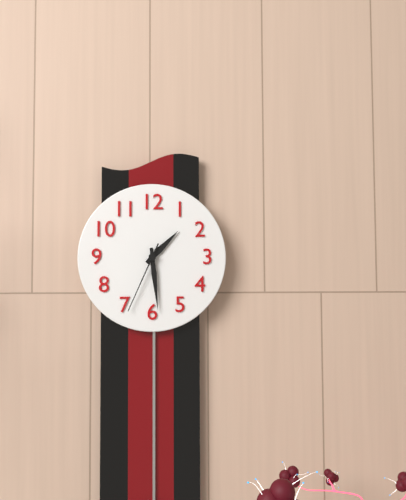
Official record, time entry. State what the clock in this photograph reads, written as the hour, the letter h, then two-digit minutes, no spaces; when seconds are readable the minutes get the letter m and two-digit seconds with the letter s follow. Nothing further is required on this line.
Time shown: 1h29m34s
